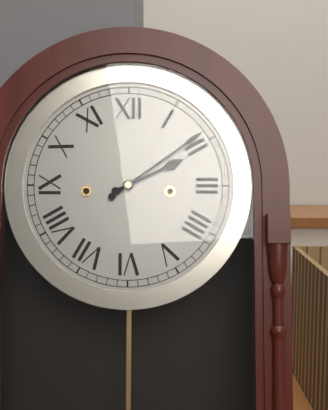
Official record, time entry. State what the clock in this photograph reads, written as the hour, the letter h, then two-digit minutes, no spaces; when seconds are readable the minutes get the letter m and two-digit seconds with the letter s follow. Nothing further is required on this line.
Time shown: 2h09
